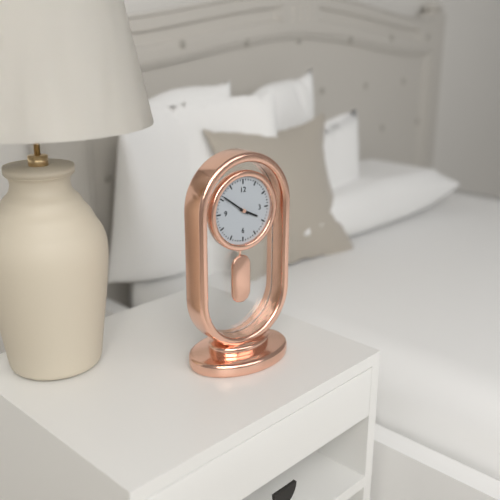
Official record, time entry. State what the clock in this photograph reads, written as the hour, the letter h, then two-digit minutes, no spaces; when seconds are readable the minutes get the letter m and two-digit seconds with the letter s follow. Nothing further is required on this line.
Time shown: 3h51
